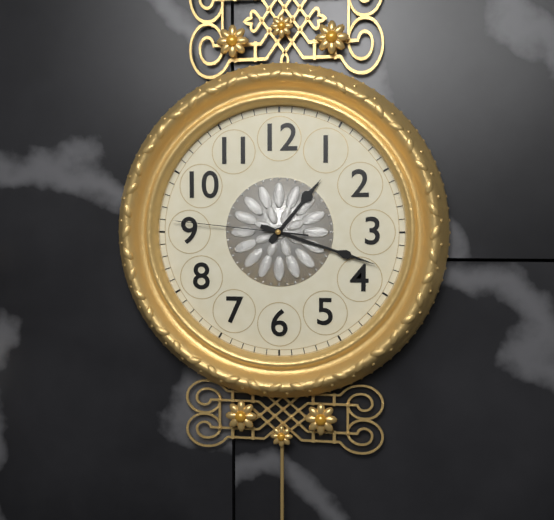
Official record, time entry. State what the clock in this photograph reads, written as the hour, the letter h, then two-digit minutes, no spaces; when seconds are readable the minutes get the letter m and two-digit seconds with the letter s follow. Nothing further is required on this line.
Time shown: 1h18m46s
